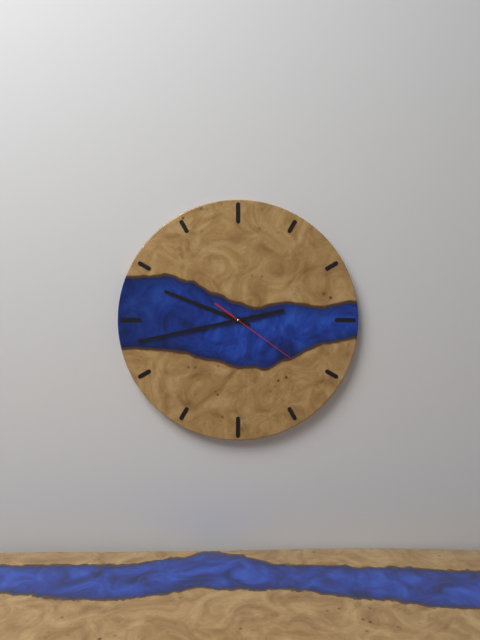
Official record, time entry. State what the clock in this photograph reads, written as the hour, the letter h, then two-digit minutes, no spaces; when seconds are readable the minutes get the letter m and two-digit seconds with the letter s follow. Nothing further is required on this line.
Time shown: 9h43m21s
